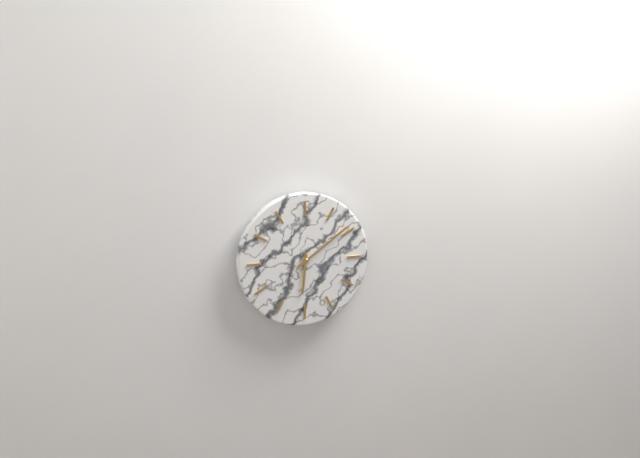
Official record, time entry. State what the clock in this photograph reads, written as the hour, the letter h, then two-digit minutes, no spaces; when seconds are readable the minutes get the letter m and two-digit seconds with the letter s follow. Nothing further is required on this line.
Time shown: 6h09
